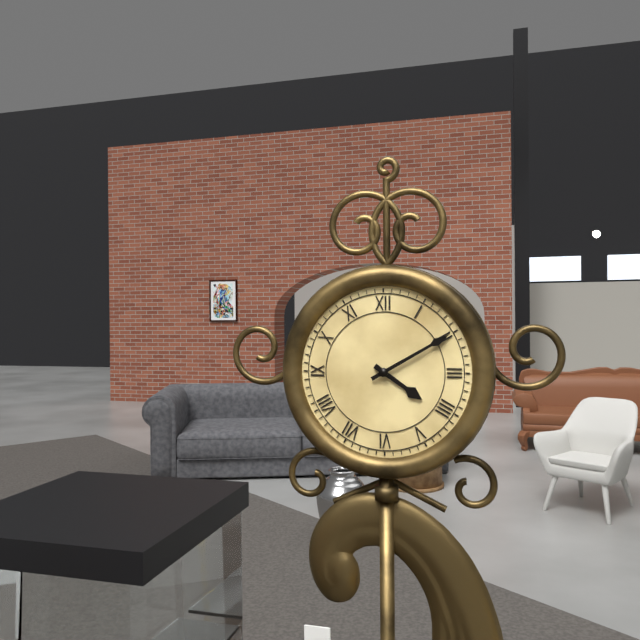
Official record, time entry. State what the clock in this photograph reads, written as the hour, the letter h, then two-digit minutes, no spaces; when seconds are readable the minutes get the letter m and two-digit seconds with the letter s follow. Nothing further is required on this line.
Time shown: 4h10
